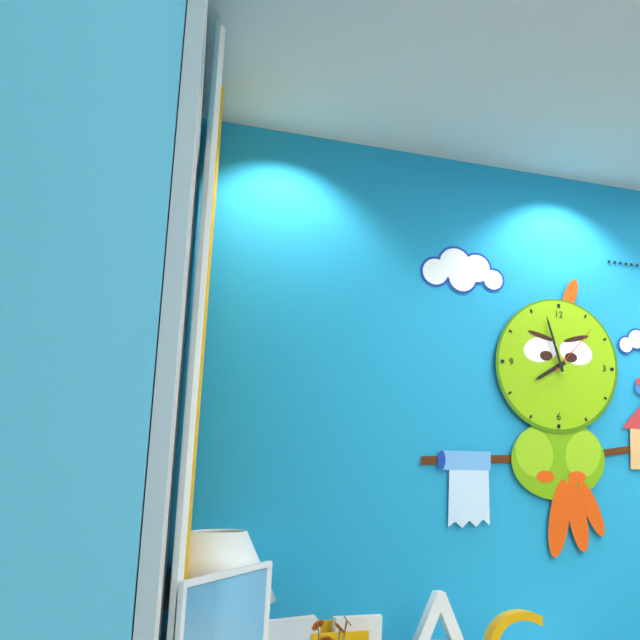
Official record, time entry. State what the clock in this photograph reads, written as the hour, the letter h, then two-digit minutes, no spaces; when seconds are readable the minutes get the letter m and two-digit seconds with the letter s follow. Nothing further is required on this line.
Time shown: 7h57m07s
